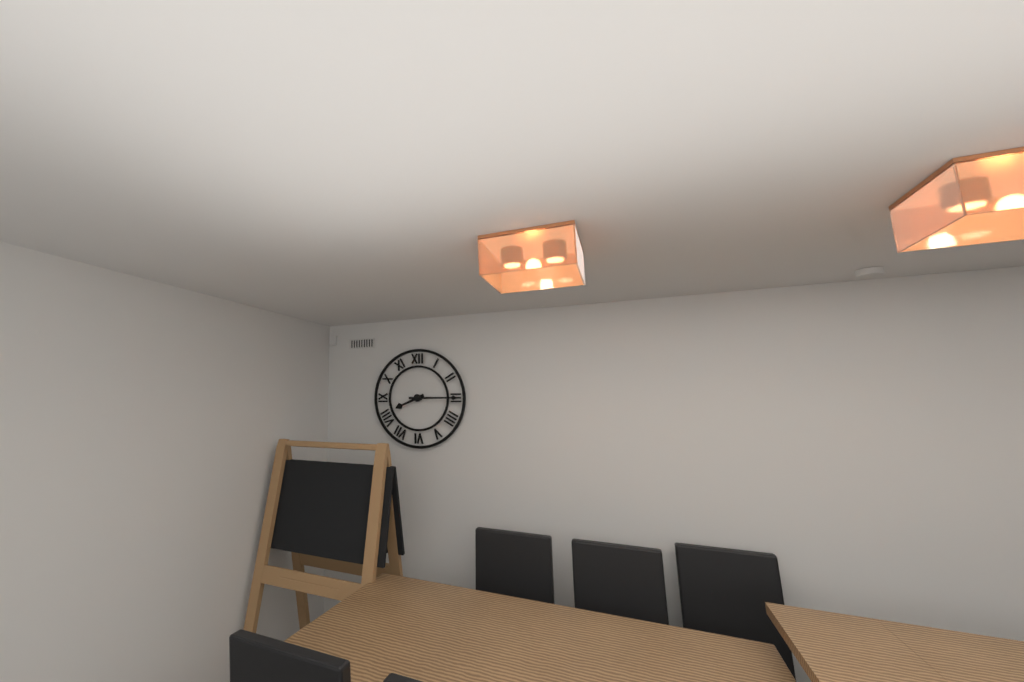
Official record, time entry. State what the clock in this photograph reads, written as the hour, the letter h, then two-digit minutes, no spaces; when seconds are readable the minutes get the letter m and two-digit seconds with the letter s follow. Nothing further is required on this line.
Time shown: 8h15
